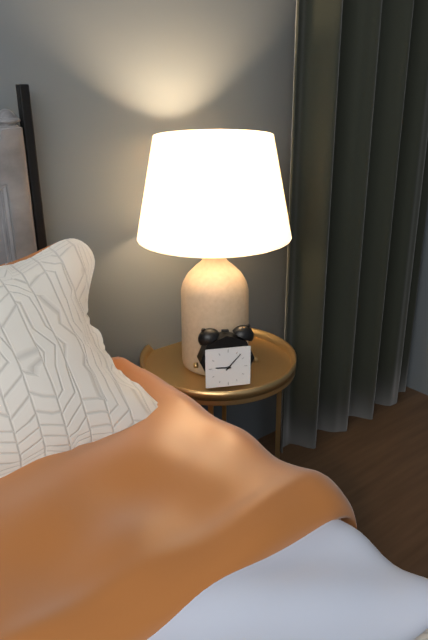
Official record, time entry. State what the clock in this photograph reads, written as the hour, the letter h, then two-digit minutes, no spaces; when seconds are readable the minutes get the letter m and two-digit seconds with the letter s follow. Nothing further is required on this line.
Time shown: 9h07
